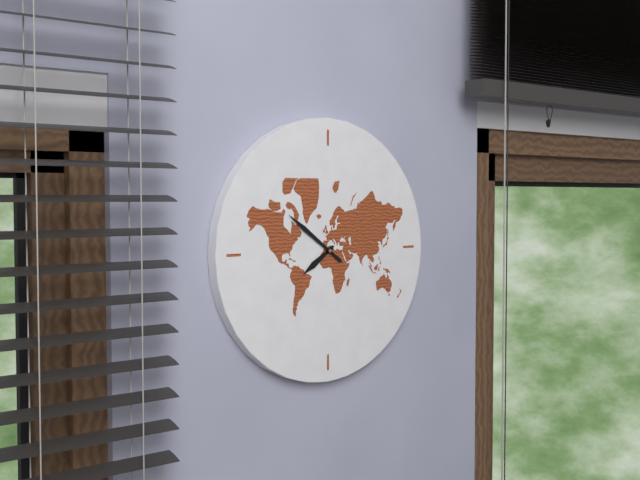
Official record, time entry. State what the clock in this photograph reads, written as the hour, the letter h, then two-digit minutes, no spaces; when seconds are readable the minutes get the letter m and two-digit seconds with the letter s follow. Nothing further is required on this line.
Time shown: 7h51
